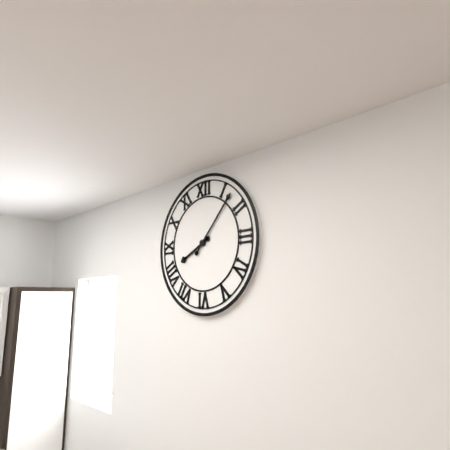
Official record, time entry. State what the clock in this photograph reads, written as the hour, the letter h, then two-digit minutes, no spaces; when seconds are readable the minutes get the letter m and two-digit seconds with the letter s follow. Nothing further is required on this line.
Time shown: 8h07
